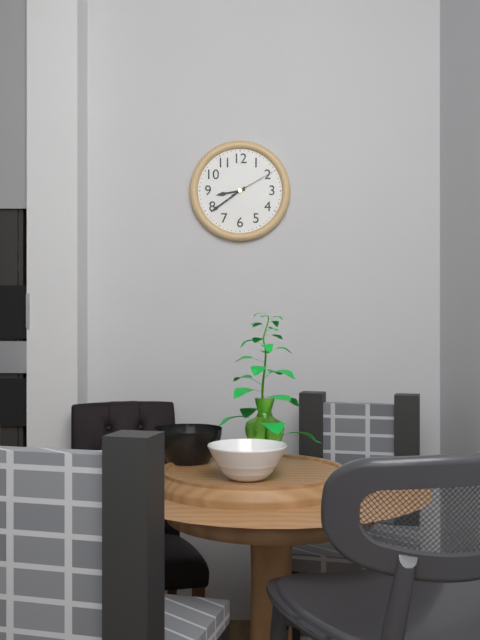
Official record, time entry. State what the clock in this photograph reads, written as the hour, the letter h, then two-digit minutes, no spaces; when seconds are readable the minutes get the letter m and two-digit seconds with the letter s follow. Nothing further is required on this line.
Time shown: 8h39
